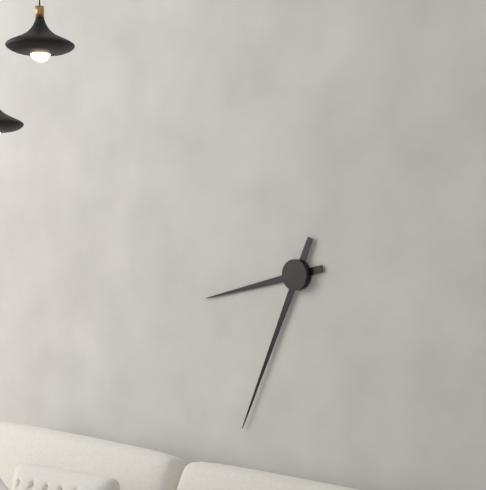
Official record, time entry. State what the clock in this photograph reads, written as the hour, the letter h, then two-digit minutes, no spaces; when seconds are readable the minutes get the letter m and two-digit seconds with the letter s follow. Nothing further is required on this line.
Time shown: 8h34
